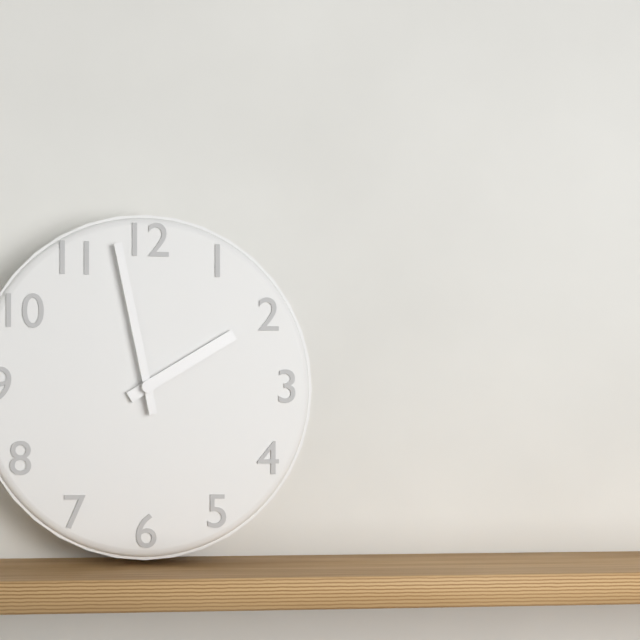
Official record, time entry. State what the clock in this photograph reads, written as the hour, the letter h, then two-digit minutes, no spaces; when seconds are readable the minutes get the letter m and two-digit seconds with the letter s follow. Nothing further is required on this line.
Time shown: 1h58
